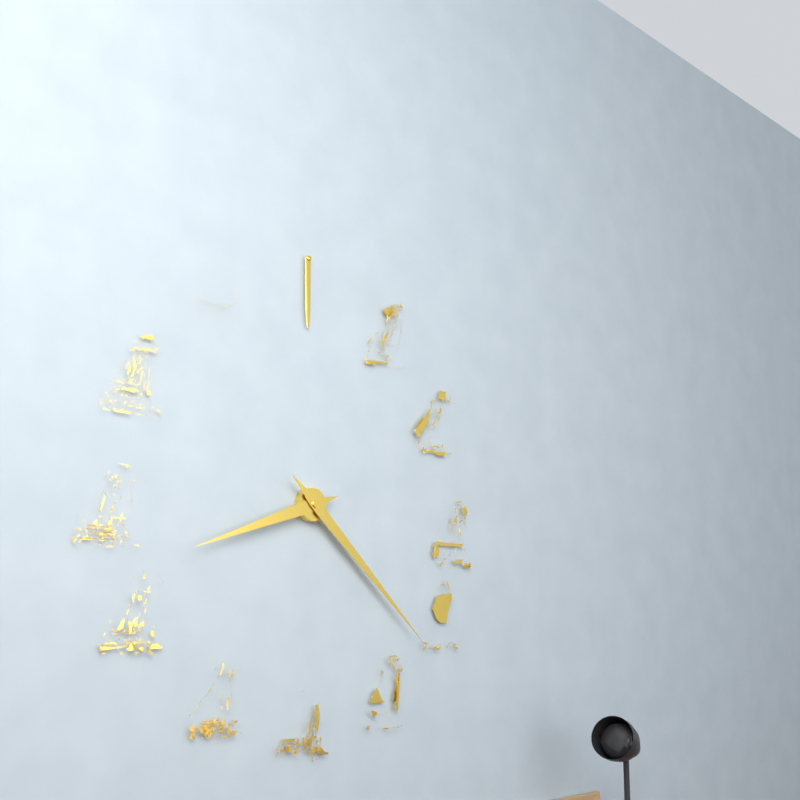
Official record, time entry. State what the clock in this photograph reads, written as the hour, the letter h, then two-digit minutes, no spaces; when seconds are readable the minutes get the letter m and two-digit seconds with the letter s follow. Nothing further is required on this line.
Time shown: 8h22
